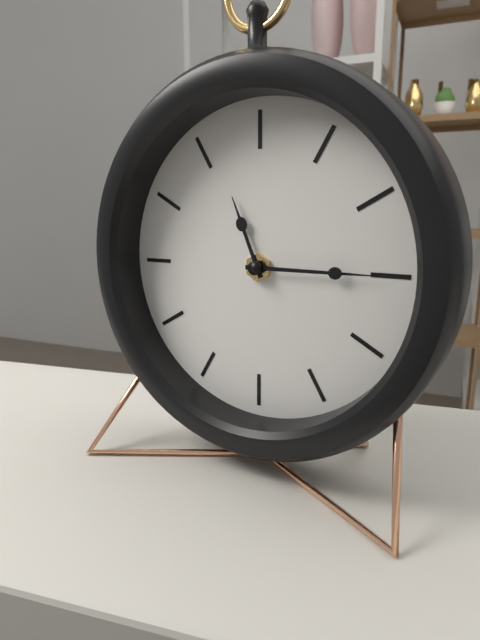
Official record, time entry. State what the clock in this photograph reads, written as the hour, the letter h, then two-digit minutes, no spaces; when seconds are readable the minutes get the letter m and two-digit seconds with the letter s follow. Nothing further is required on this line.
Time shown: 11h15
